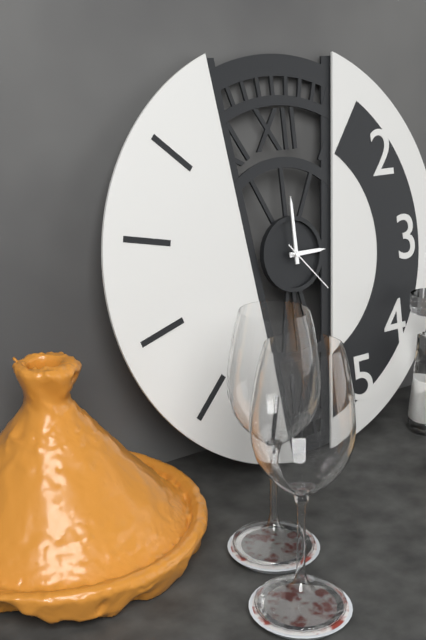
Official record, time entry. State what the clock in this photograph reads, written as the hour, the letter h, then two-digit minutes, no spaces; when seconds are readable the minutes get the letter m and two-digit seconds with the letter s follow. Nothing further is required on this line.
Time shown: 3h00m23s
